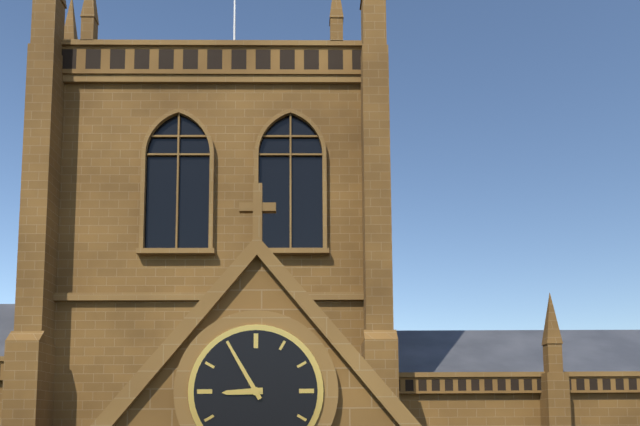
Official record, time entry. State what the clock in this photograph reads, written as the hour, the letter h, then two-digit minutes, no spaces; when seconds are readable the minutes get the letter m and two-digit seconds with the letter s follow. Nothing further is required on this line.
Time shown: 8h55
